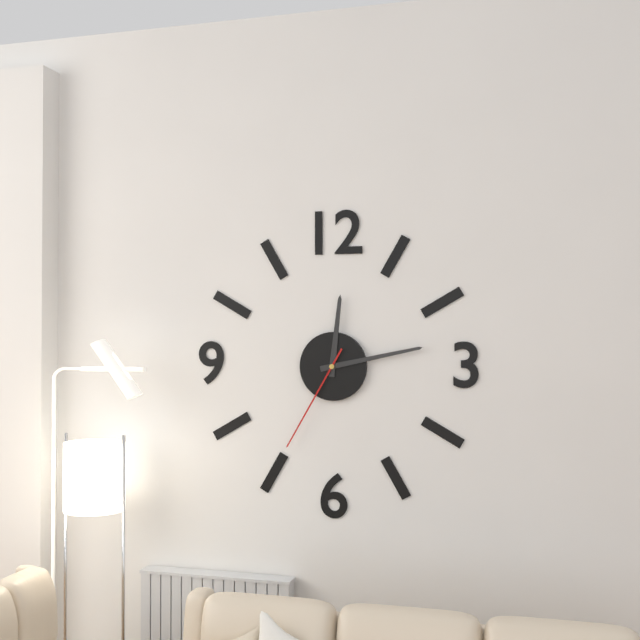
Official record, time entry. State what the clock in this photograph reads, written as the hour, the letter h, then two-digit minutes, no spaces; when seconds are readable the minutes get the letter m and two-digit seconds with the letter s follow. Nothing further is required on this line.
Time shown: 12h13m35s
